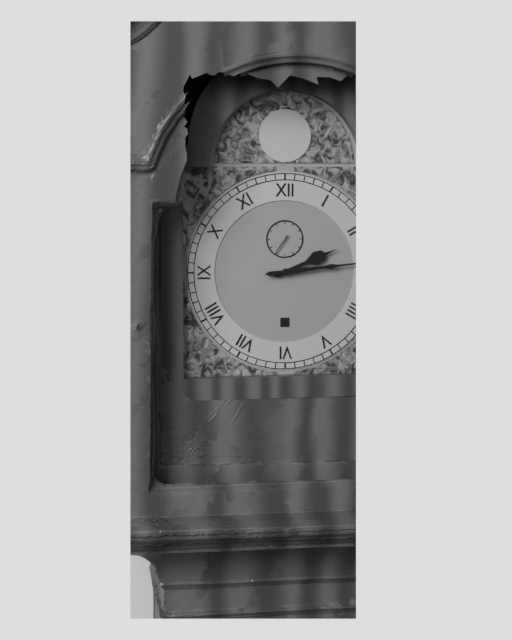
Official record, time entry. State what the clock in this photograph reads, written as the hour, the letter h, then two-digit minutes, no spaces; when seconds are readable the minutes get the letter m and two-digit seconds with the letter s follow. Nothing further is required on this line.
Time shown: 2h14
